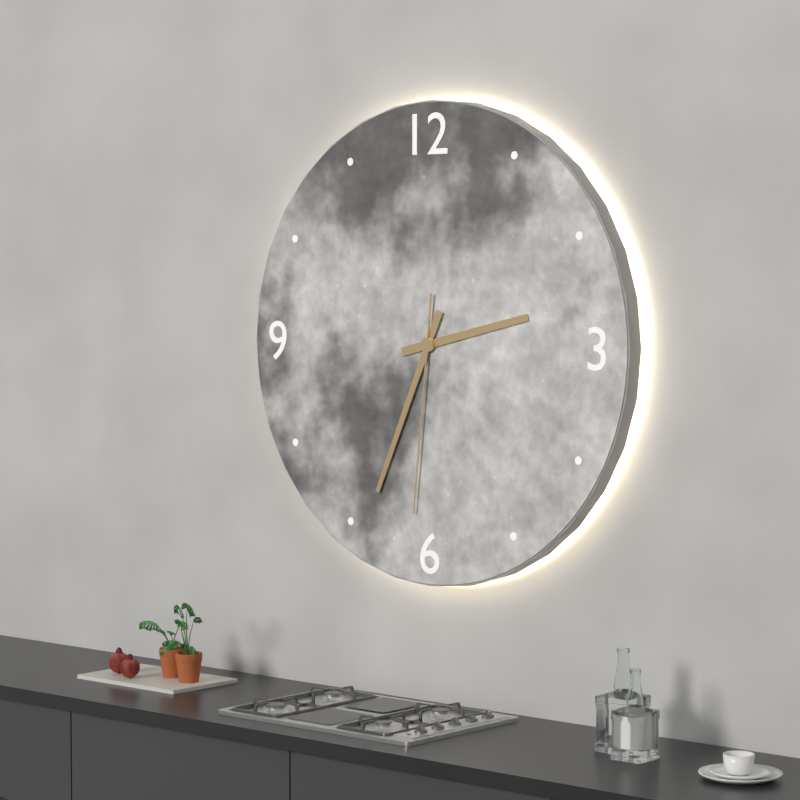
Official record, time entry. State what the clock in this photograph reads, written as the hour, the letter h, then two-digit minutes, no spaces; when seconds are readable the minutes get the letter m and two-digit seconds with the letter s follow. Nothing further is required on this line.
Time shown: 2h34m31s
